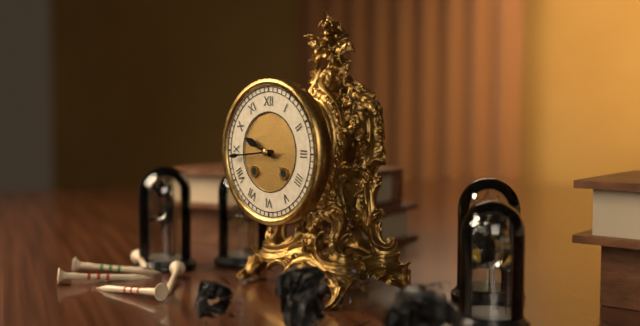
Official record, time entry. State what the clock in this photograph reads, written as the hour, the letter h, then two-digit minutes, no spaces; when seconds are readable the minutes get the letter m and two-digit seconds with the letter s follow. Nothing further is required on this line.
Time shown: 9h44
